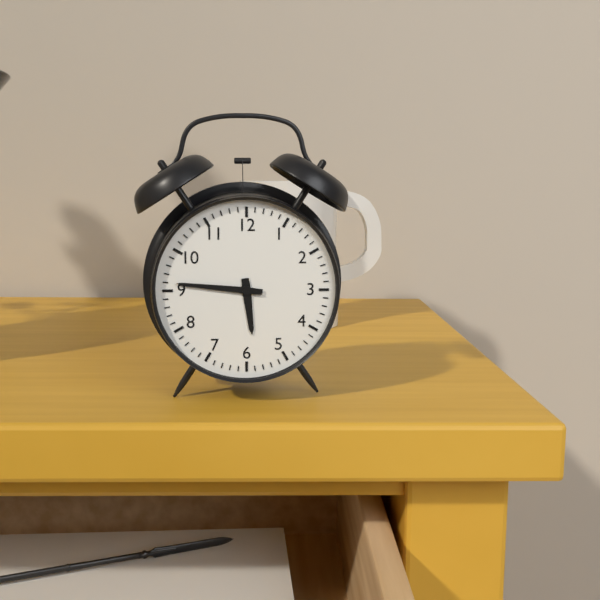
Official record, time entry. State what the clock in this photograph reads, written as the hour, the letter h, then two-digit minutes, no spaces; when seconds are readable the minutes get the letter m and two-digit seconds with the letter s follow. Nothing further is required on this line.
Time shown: 5h46
